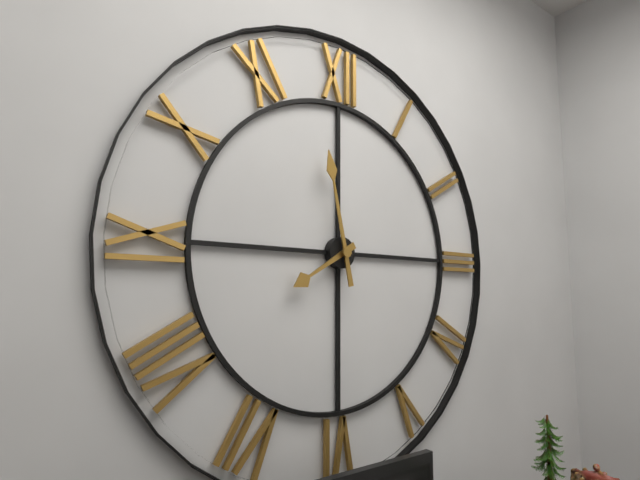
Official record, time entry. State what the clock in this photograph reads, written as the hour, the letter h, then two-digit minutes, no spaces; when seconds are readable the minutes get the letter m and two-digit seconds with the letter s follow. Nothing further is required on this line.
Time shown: 7h58
